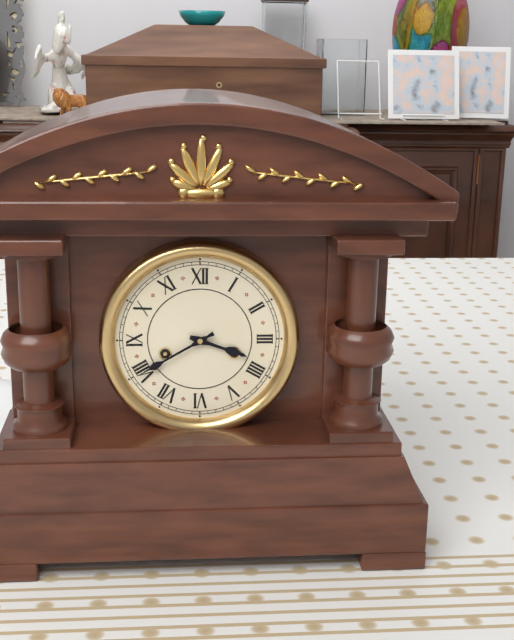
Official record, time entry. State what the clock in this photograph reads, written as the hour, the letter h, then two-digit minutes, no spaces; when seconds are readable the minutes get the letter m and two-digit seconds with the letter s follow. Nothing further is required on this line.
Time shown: 3h40
